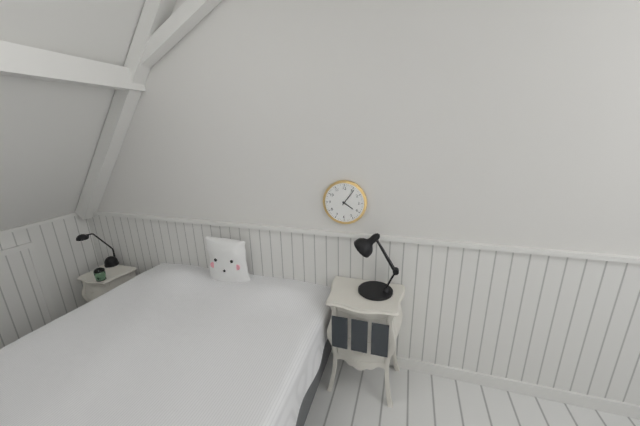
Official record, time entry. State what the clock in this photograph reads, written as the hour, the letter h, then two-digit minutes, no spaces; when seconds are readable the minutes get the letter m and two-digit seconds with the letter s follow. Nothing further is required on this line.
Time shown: 4h06
